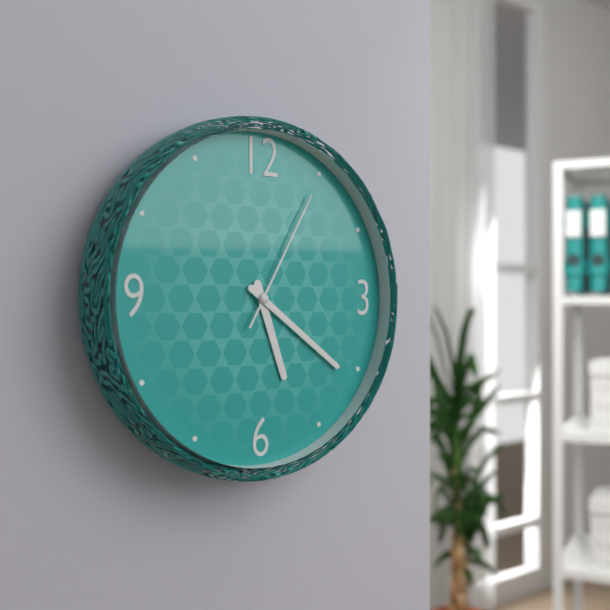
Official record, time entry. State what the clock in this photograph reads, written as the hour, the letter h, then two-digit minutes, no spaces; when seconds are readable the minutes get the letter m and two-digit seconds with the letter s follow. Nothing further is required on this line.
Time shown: 5h21m05s
